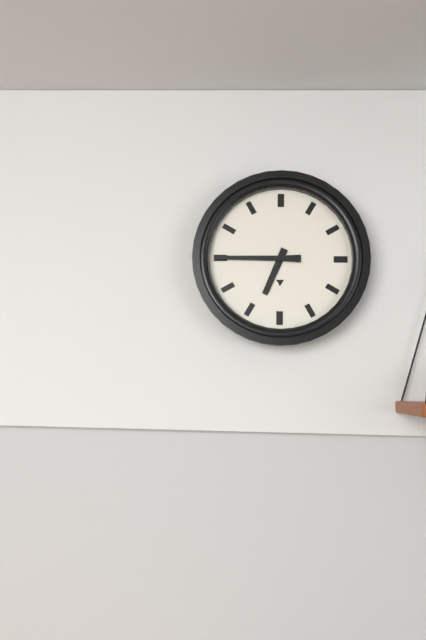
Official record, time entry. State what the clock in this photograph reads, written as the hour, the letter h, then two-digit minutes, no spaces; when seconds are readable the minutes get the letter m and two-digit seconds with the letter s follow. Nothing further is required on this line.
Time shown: 6h45
